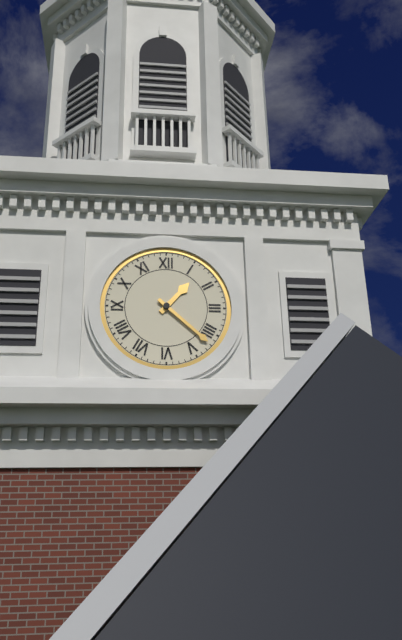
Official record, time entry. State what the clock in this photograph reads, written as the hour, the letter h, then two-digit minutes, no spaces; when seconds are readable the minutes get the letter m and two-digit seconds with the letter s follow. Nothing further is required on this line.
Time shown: 1h22
